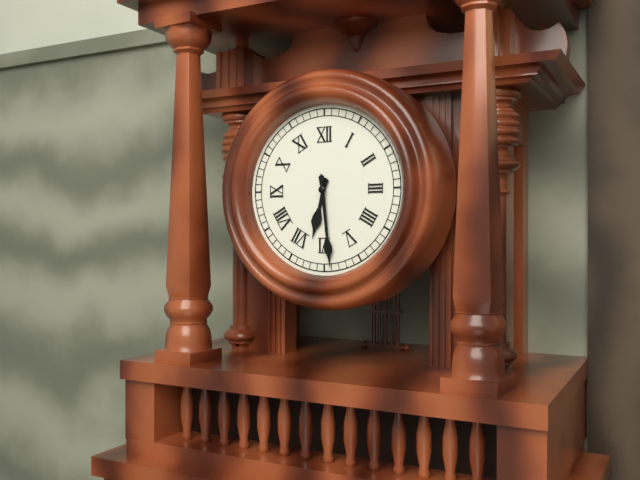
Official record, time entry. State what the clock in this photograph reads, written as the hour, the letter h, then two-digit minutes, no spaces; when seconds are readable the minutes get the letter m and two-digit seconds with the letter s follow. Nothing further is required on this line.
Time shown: 6h29
